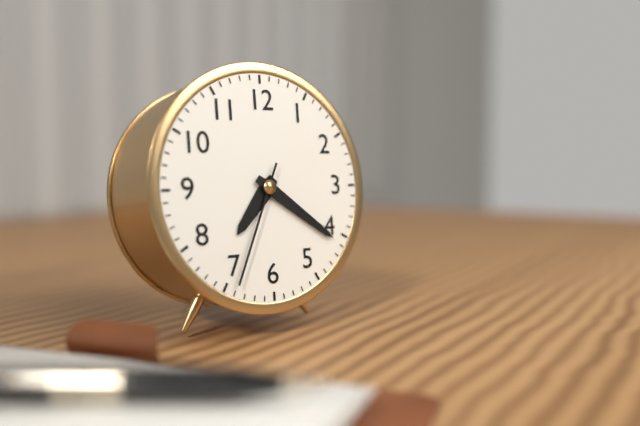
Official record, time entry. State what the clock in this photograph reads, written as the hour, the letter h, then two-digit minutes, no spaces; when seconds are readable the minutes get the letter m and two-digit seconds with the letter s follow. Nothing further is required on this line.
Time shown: 7h21m34s
